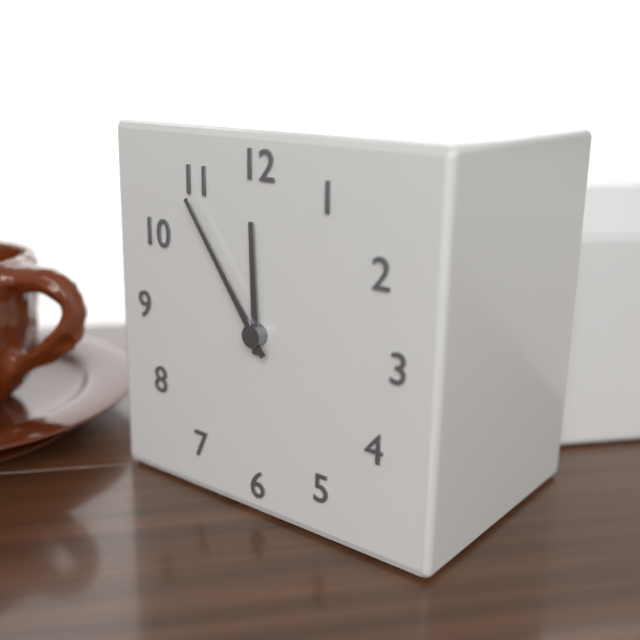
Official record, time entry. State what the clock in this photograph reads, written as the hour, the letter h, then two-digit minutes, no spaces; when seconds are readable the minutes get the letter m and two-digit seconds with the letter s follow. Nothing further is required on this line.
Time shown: 11h54
